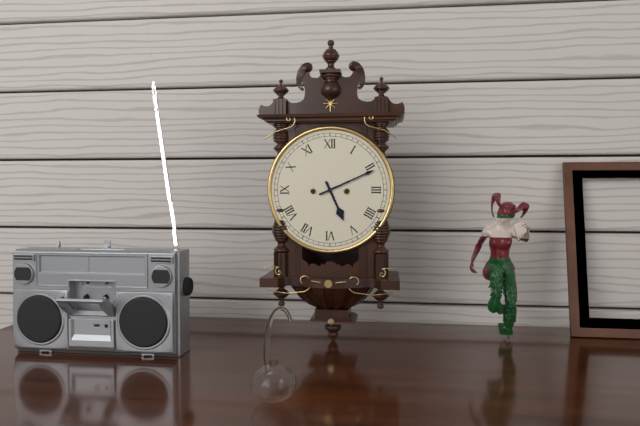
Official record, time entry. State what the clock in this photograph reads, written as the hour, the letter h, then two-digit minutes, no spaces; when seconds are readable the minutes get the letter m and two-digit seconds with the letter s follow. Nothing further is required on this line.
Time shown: 5h11
